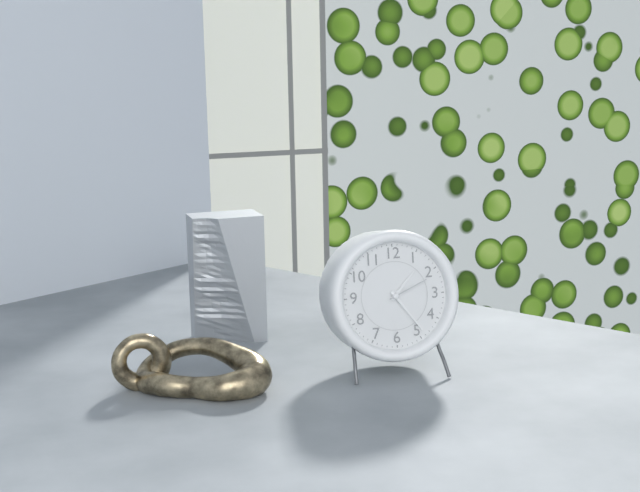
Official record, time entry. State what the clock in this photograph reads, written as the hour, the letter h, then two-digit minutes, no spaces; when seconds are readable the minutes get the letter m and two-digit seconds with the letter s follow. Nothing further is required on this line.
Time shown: 1h24
